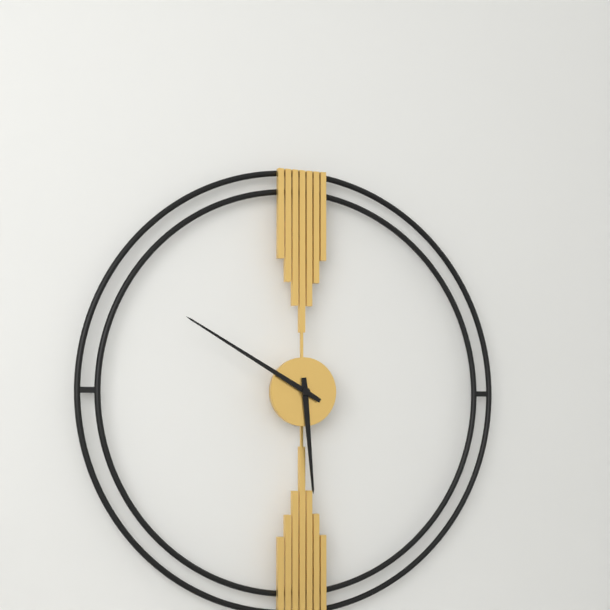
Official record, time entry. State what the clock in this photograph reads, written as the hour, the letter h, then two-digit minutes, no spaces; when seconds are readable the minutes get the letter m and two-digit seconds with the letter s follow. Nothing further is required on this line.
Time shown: 5h50
